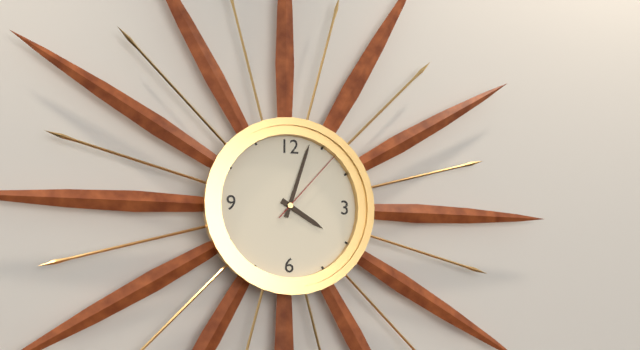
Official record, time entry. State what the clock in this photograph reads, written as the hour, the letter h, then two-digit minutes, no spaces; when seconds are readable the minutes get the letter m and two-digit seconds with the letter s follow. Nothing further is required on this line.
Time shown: 4h03m07s
